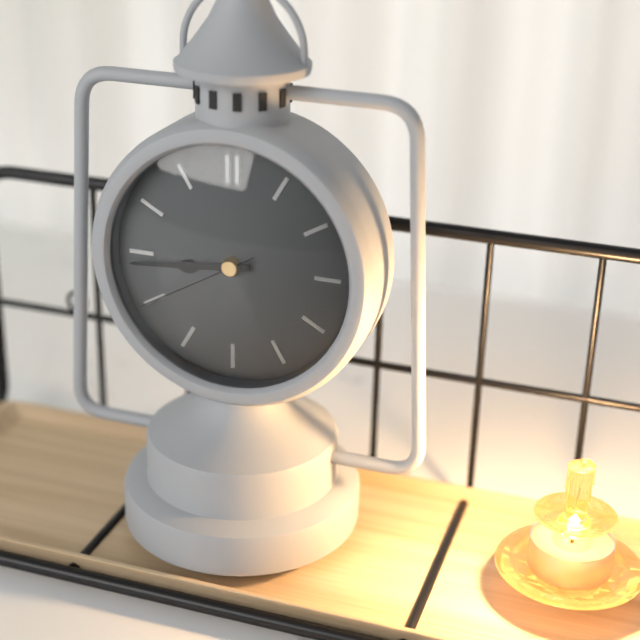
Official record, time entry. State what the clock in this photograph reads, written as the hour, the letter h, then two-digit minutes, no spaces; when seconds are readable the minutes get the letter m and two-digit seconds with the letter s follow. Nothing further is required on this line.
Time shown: 8h44m40s
